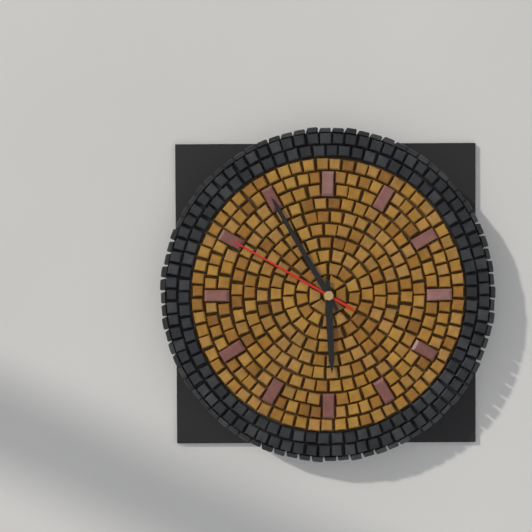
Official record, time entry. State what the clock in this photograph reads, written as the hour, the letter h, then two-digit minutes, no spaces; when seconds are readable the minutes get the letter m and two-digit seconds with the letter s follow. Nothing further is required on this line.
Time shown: 5h55m50s
